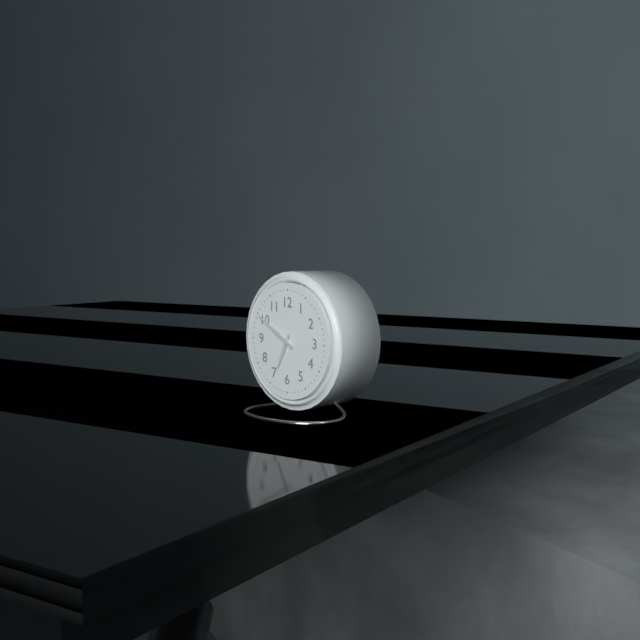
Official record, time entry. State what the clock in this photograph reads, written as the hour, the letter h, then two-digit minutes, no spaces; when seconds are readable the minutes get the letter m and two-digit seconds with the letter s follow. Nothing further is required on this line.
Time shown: 6h50
